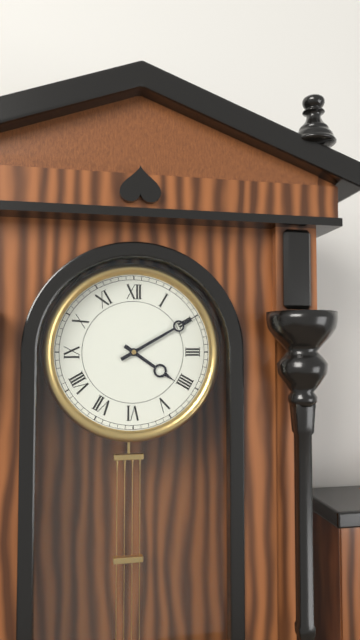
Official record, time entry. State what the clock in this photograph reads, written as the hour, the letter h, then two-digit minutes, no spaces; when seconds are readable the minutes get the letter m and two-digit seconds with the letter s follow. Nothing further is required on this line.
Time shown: 4h10
